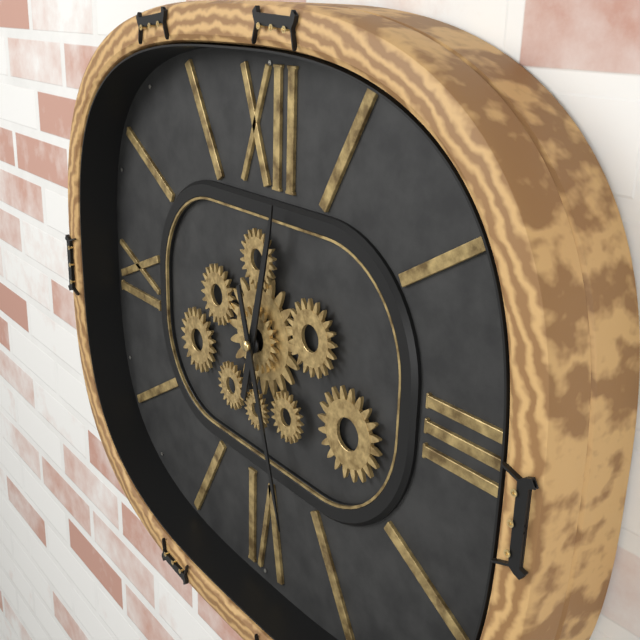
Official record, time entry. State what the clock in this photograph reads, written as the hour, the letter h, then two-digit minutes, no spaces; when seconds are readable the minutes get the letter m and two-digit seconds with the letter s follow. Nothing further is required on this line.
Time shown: 12h27
